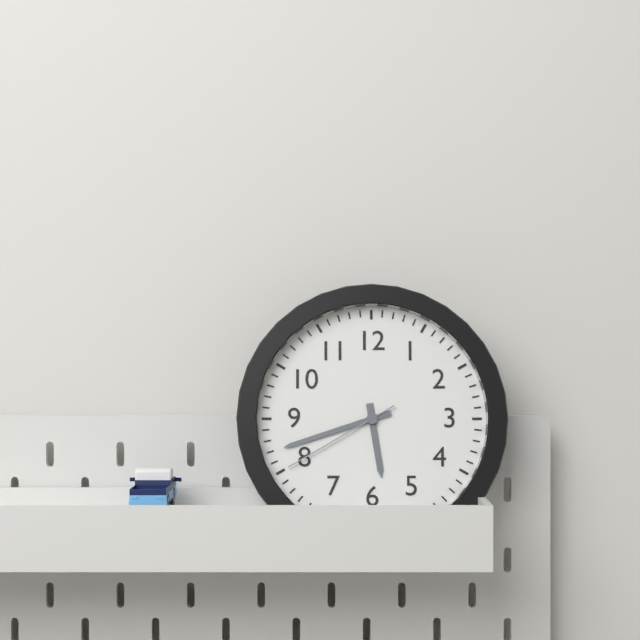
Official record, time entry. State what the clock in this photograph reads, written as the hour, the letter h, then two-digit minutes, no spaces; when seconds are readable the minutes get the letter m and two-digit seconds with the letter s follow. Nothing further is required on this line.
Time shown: 5h42m40s
